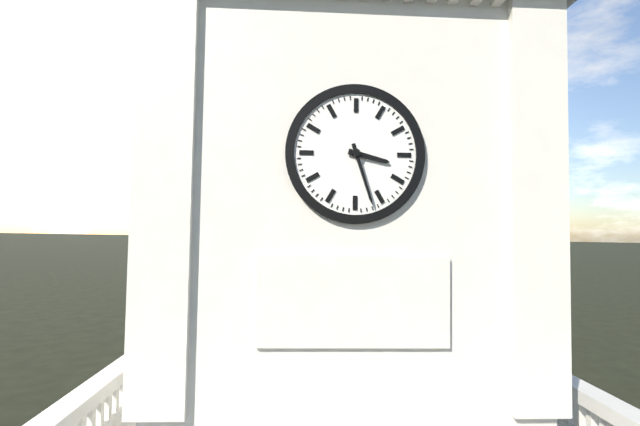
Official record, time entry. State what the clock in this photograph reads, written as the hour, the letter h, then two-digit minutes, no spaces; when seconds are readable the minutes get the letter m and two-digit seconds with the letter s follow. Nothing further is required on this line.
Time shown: 3h27
